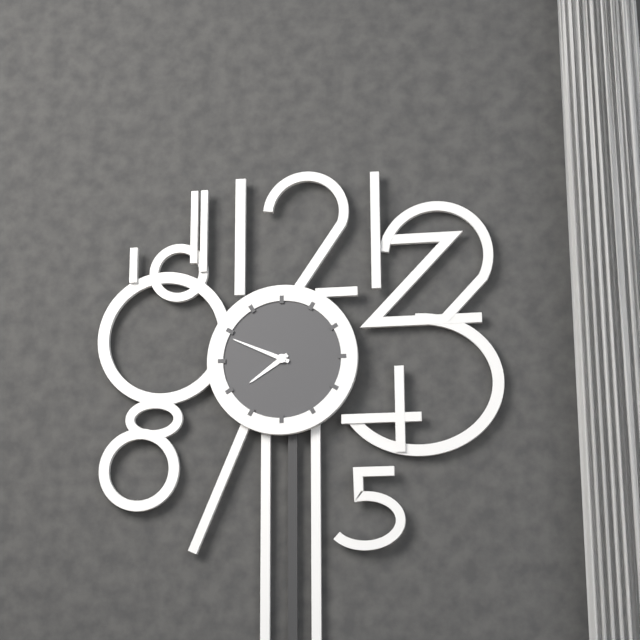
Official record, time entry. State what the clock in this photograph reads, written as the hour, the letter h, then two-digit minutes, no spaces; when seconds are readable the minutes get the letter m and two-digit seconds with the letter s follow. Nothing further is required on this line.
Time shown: 7h49
